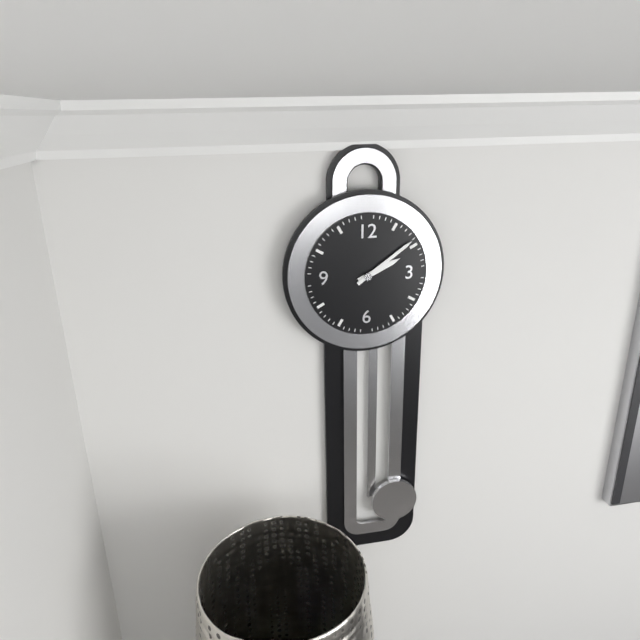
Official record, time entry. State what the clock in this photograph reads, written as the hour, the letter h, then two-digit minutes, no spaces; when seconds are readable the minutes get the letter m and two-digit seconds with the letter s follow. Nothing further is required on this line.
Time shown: 2h09
